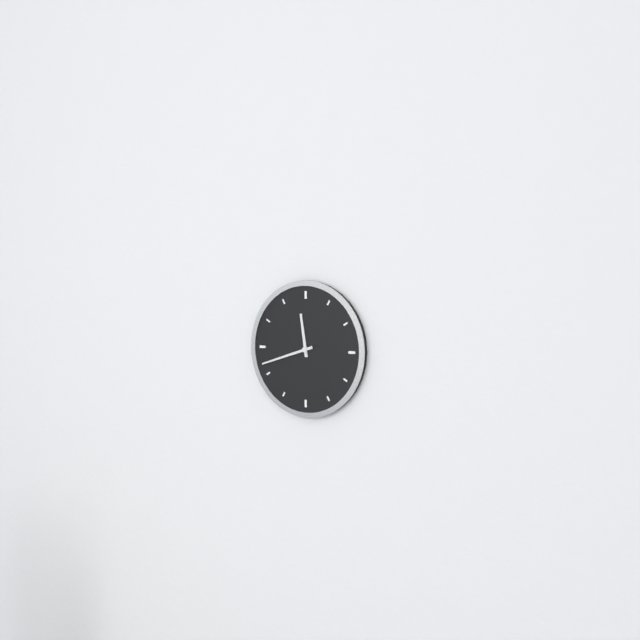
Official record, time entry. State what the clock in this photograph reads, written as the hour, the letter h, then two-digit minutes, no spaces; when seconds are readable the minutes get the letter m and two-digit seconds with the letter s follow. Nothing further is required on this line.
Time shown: 11h42
